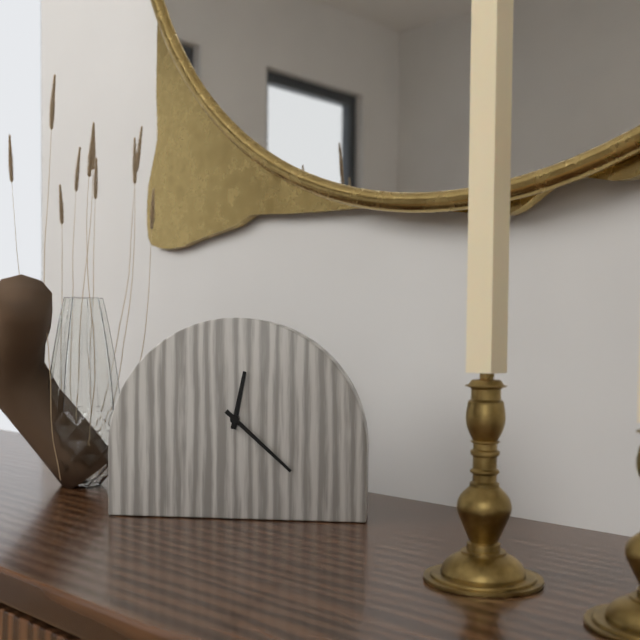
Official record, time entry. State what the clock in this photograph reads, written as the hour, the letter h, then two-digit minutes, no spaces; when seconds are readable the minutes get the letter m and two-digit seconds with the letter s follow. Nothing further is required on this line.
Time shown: 12h22
